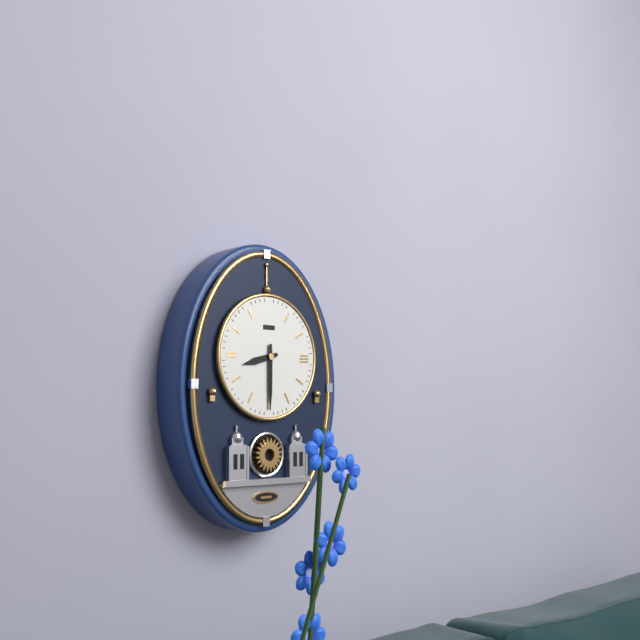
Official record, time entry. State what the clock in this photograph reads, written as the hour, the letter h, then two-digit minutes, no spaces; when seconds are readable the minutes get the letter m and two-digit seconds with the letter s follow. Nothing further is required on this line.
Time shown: 8h30
